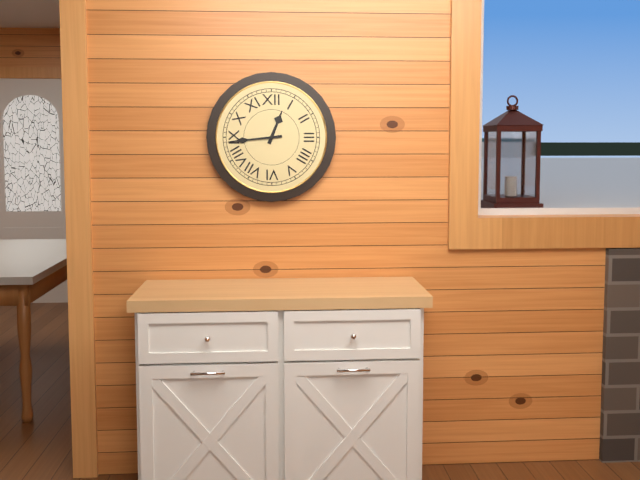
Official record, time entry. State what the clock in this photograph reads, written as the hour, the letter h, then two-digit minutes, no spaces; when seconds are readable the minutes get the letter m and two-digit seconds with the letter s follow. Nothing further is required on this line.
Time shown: 12h44
